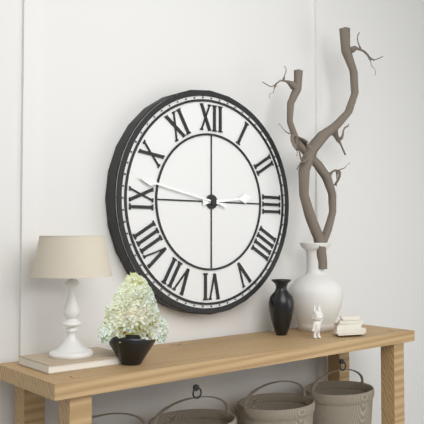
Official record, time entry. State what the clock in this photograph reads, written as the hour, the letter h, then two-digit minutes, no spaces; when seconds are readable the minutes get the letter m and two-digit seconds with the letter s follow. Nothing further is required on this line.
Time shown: 2h47
